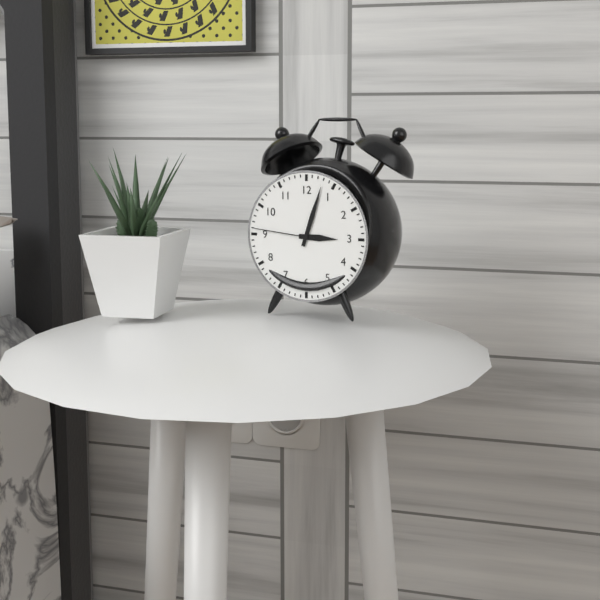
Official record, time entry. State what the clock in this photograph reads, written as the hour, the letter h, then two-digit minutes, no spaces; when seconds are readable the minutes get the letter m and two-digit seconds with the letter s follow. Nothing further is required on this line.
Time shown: 3h03m46s
